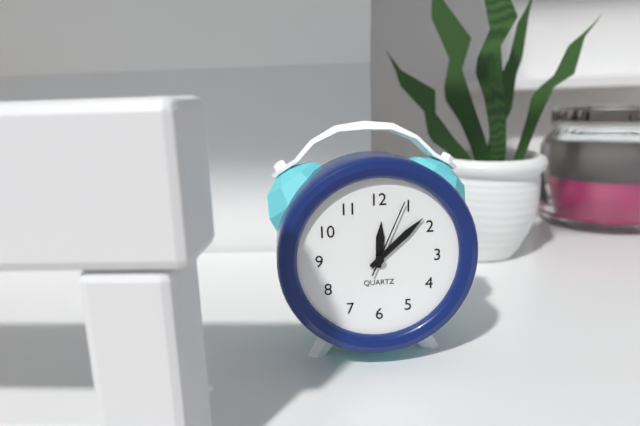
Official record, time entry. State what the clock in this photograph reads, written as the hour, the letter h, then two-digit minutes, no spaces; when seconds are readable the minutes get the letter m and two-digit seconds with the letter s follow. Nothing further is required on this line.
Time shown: 12h08m04s
